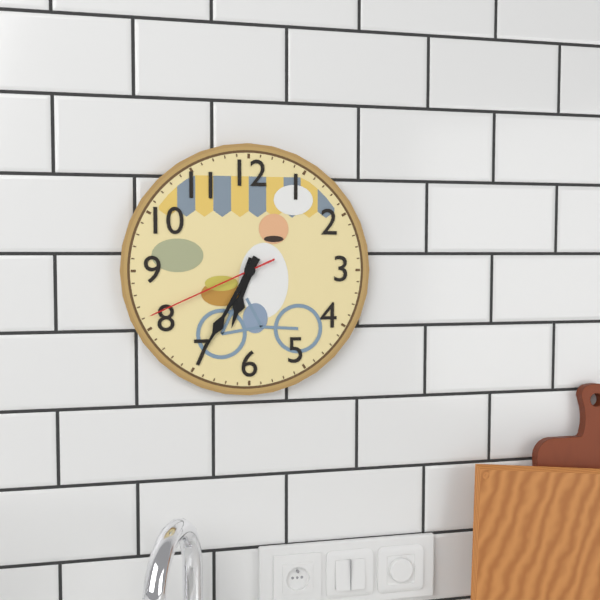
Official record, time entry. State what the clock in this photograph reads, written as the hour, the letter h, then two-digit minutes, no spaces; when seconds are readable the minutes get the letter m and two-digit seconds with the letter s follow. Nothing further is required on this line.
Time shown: 6h35m41s
